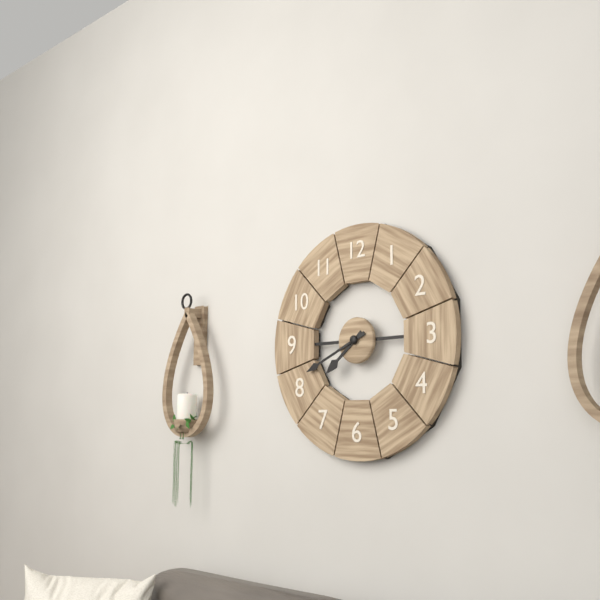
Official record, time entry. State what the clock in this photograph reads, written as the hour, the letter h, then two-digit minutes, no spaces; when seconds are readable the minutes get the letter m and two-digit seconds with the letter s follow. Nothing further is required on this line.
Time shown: 7h41
